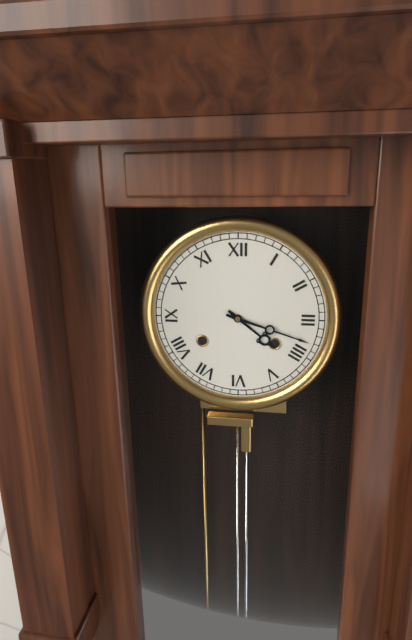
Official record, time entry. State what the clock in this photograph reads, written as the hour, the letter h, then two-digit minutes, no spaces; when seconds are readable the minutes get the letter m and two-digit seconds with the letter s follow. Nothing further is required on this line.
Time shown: 4h18
